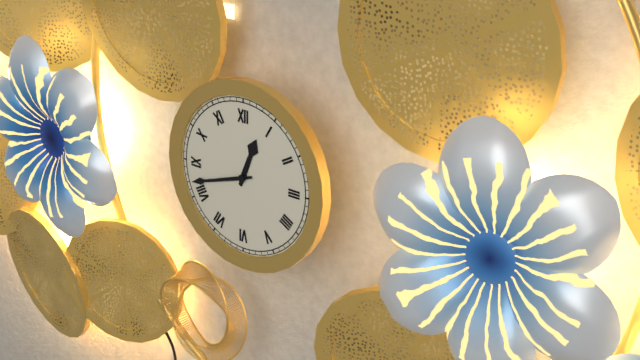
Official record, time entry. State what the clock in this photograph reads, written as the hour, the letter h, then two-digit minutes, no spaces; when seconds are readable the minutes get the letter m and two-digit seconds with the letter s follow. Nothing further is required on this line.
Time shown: 12h42
